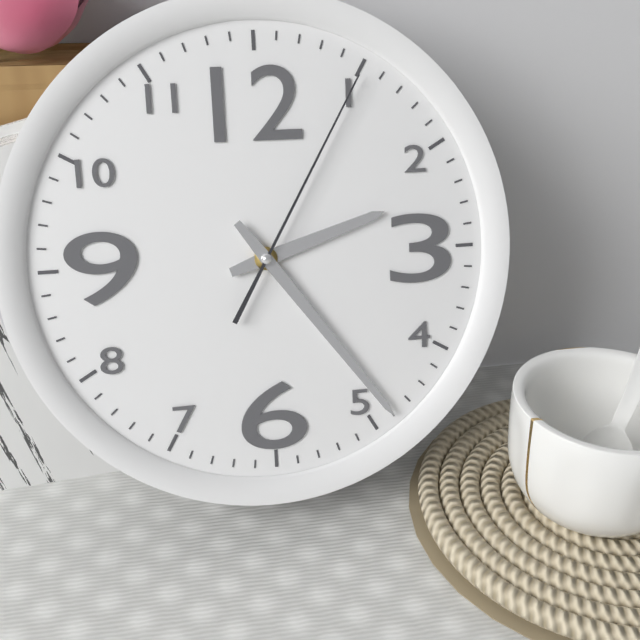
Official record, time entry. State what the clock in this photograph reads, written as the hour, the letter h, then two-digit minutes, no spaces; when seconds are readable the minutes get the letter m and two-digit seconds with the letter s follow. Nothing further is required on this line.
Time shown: 2h24m05s
